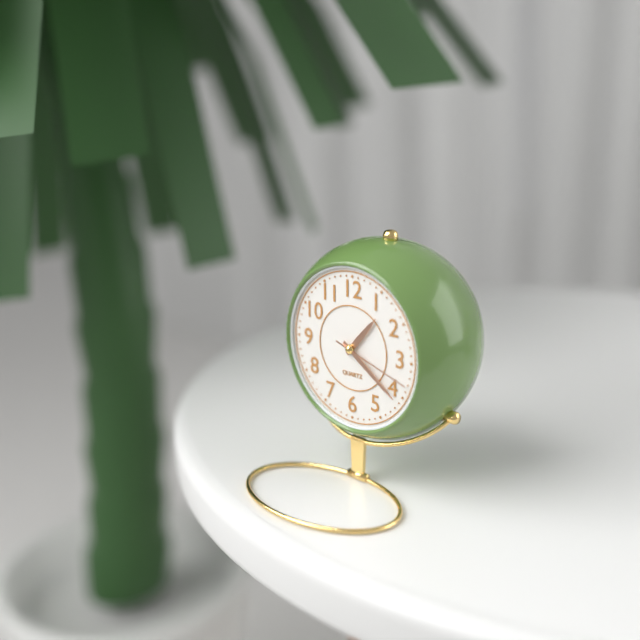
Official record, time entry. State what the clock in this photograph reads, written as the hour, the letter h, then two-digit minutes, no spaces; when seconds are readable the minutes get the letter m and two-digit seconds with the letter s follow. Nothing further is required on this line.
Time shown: 1h21m18s
